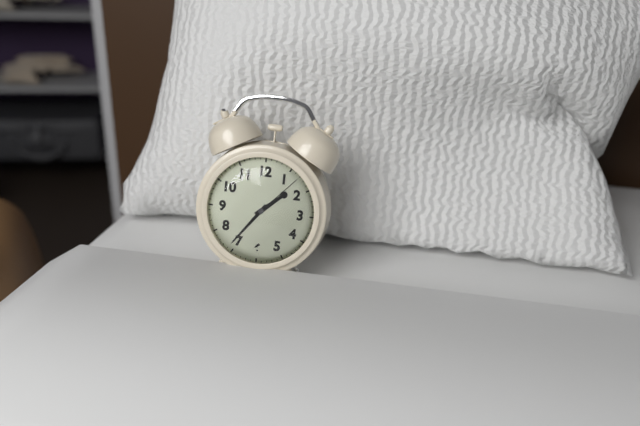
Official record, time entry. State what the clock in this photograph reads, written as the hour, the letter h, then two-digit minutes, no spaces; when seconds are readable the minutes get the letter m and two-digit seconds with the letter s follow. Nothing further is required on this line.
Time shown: 1h36m07s
